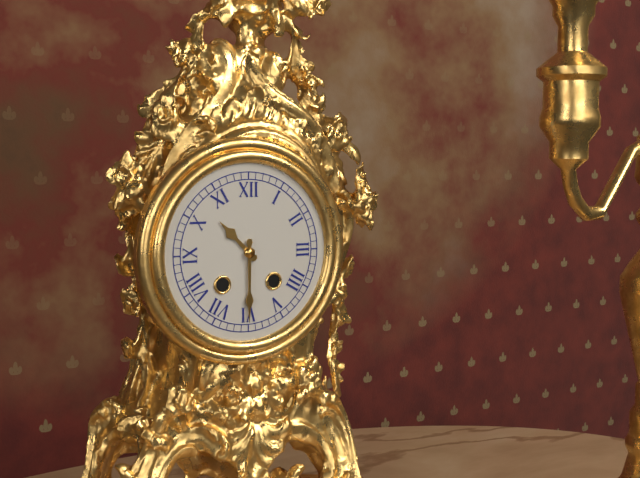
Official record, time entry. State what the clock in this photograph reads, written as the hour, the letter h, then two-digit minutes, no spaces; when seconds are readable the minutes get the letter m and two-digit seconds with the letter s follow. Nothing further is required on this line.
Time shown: 10h30
